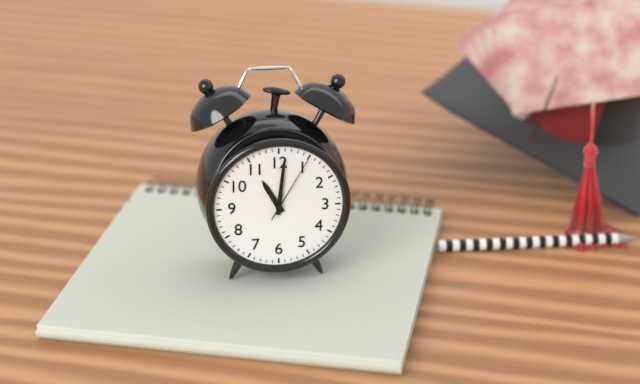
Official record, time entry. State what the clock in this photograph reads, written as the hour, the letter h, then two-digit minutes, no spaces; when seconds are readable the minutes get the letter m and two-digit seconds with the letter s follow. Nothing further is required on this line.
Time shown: 11h01m05s
